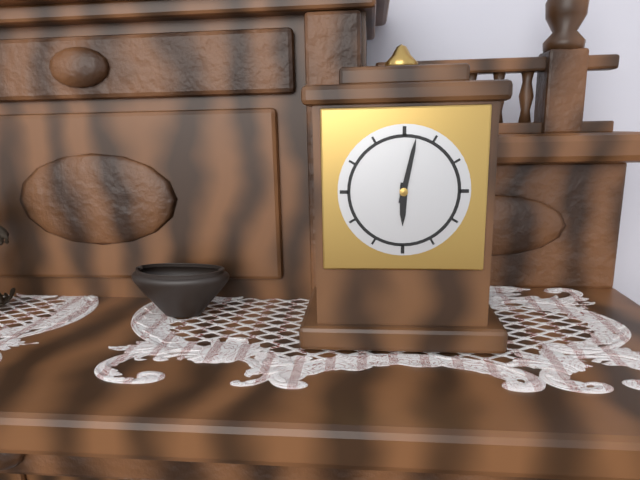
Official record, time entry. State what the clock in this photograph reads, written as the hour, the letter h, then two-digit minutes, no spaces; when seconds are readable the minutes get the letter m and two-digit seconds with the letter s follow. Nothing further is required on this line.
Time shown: 6h02
